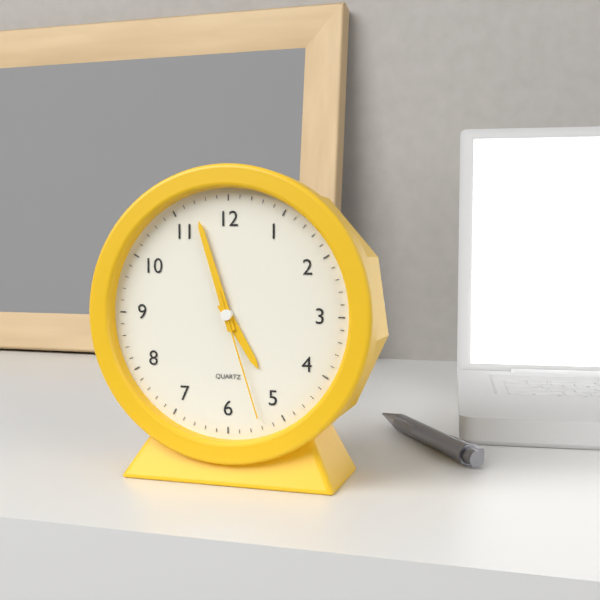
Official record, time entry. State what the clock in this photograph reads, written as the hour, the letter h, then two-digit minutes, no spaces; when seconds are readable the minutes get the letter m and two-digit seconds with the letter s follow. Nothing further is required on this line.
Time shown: 4h57m27s
